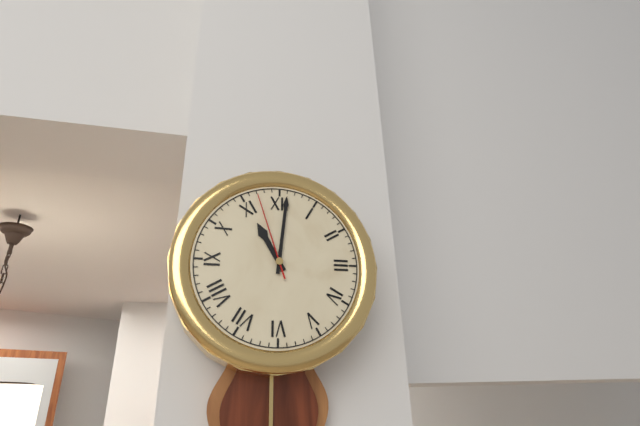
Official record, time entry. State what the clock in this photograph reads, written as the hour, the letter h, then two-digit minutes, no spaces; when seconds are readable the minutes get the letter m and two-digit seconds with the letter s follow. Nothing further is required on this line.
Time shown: 11h01m57s
